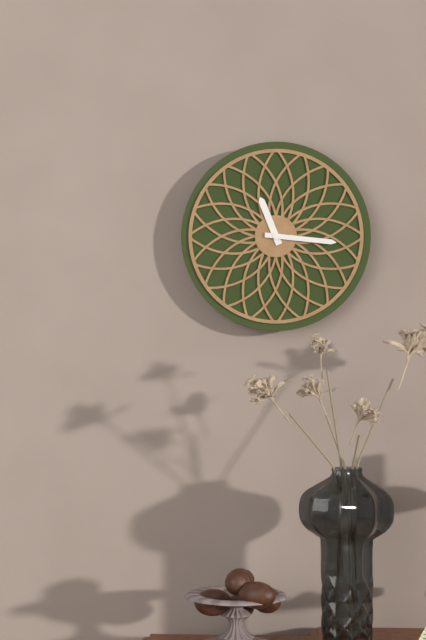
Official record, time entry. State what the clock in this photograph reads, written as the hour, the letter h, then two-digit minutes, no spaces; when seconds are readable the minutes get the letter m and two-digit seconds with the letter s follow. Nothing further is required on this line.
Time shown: 11h16
